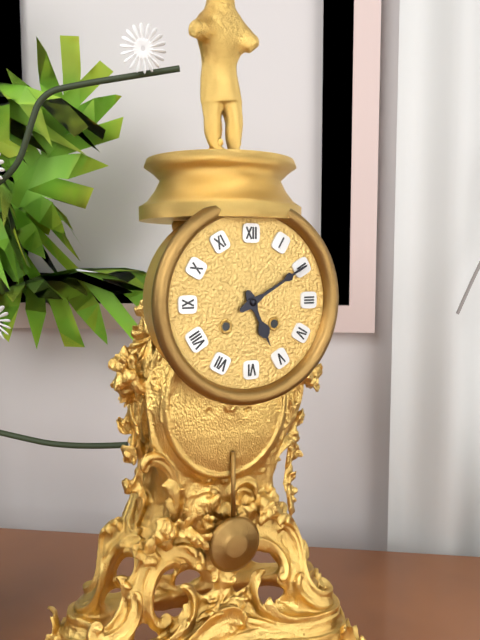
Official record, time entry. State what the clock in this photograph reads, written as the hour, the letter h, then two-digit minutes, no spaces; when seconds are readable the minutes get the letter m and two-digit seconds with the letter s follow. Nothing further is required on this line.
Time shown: 5h10
